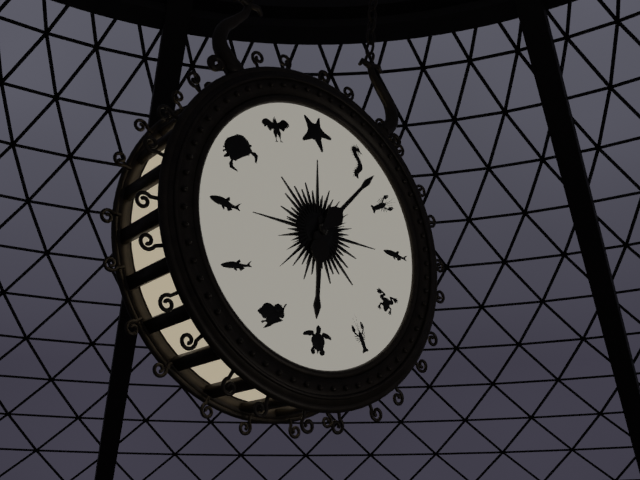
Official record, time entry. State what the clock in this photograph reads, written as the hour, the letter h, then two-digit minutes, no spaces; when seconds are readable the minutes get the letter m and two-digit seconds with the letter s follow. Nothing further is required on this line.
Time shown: 6h07
